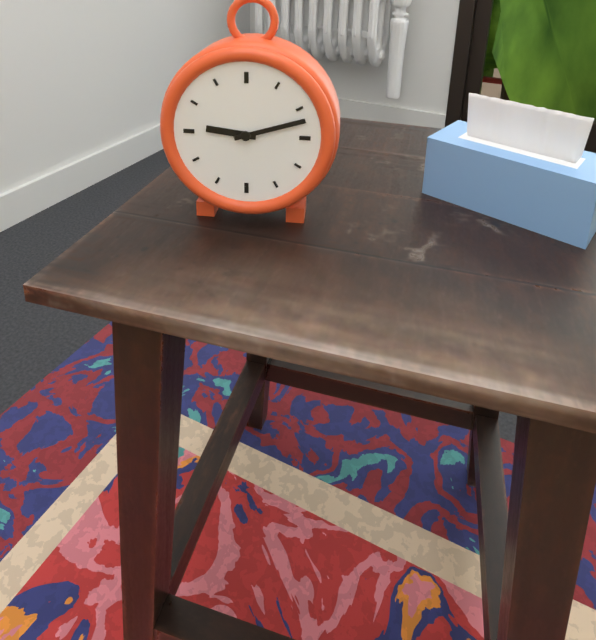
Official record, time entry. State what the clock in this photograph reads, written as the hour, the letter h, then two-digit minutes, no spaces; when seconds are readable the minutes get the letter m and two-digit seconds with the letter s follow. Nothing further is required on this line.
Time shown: 9h12
